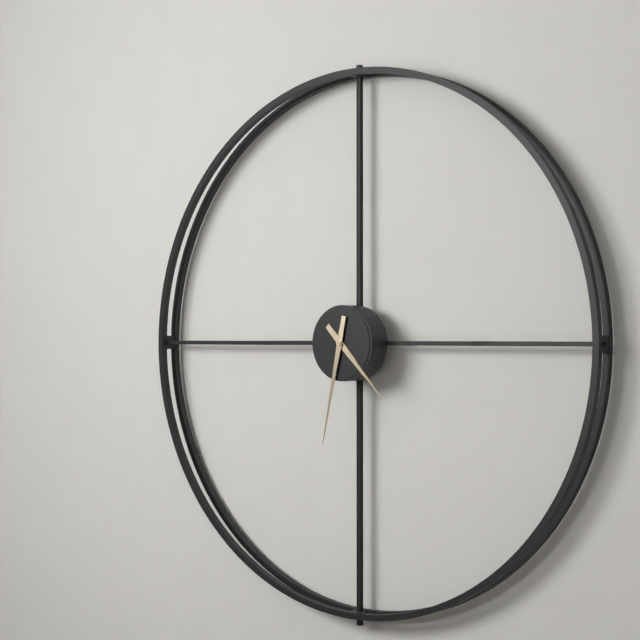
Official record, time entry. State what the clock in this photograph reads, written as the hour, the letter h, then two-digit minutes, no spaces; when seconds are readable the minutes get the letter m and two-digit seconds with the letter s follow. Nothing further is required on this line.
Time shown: 4h32
